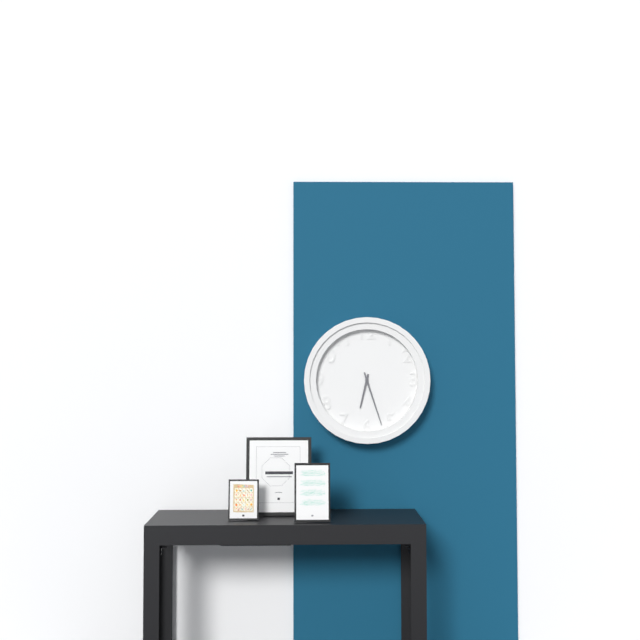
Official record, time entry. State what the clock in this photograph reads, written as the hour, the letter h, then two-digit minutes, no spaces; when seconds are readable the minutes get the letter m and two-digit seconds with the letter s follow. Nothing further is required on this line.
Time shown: 6h27
